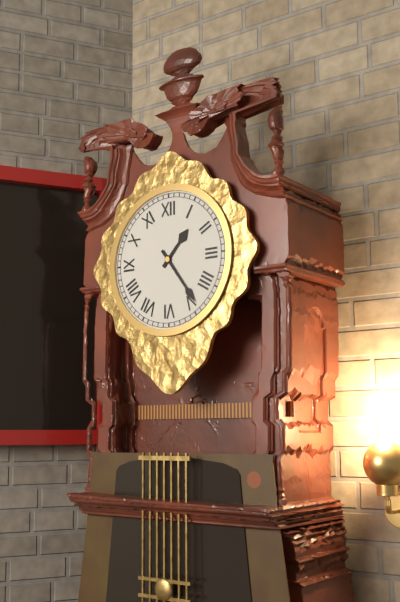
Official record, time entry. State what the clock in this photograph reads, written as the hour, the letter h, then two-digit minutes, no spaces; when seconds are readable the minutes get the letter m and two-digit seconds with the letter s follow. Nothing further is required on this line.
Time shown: 1h24
